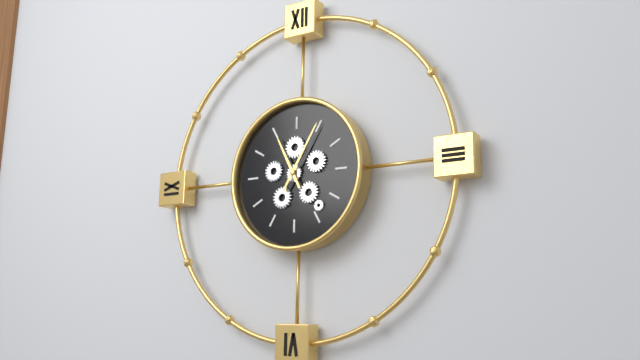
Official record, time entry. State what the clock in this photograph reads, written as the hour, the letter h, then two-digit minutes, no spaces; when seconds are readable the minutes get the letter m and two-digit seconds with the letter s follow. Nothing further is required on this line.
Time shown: 11h05
